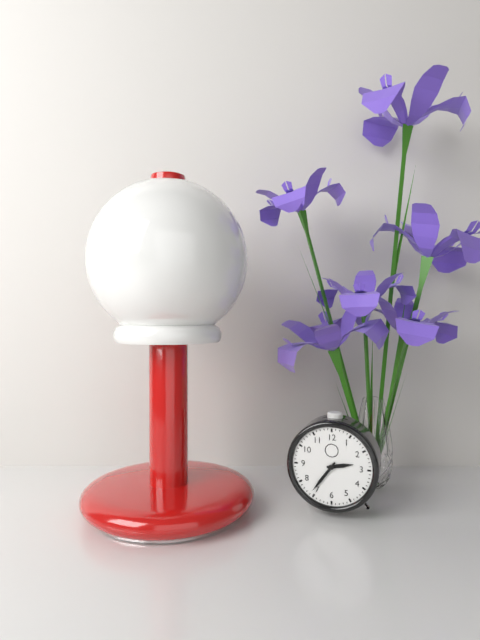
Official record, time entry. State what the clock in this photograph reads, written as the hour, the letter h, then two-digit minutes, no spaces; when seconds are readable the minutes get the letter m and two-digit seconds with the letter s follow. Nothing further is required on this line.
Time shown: 2h36
